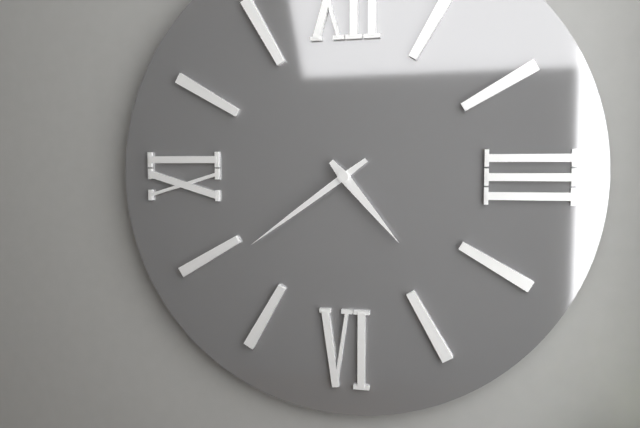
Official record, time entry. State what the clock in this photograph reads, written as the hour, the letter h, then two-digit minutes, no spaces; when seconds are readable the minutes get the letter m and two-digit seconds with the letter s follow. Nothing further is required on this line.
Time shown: 4h39
